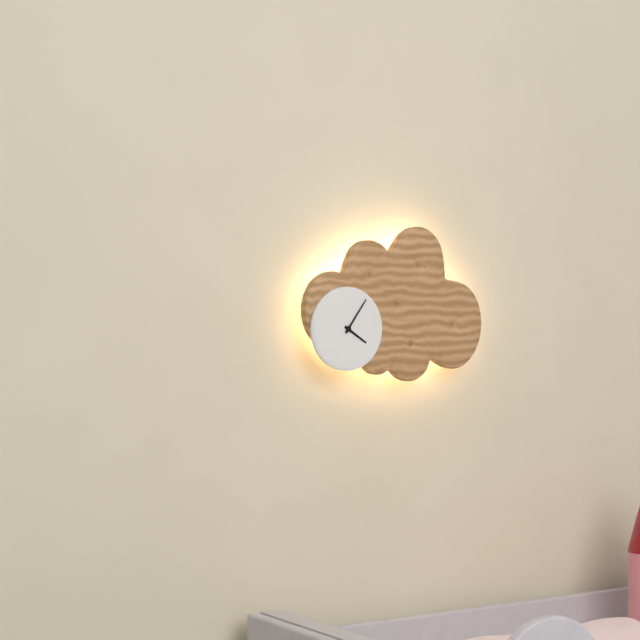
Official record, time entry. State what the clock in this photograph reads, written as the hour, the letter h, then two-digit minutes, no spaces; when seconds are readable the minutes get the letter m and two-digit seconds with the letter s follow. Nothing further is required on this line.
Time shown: 4h06
